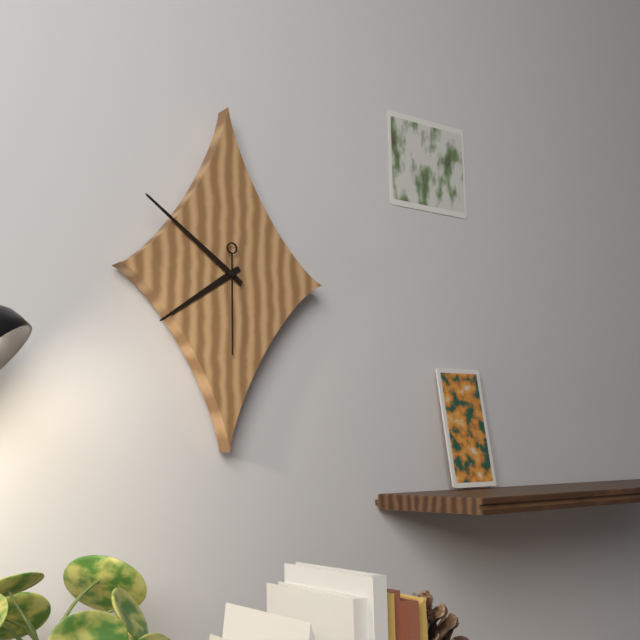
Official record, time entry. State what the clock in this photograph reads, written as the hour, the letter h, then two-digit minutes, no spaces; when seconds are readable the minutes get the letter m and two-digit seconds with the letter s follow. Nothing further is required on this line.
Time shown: 7h51m30s
